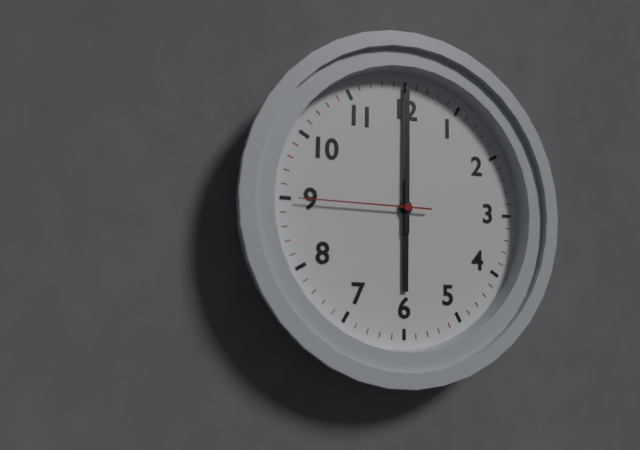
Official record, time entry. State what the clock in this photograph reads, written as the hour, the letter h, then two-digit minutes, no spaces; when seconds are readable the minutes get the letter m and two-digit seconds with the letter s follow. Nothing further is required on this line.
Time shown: 6h00m45s
